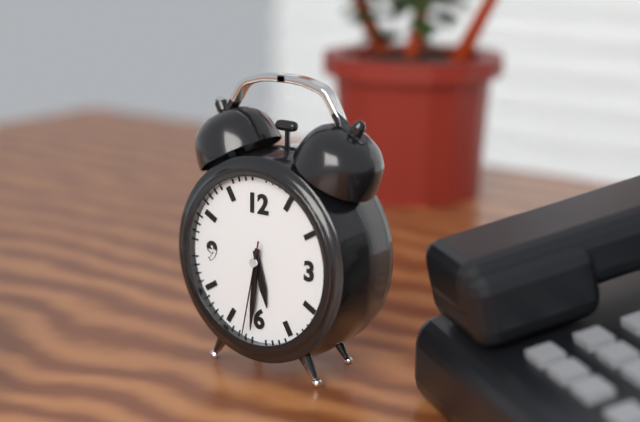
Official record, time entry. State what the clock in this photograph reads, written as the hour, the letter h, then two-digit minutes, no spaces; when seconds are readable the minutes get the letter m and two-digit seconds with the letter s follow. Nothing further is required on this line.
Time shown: 5h31m32s
